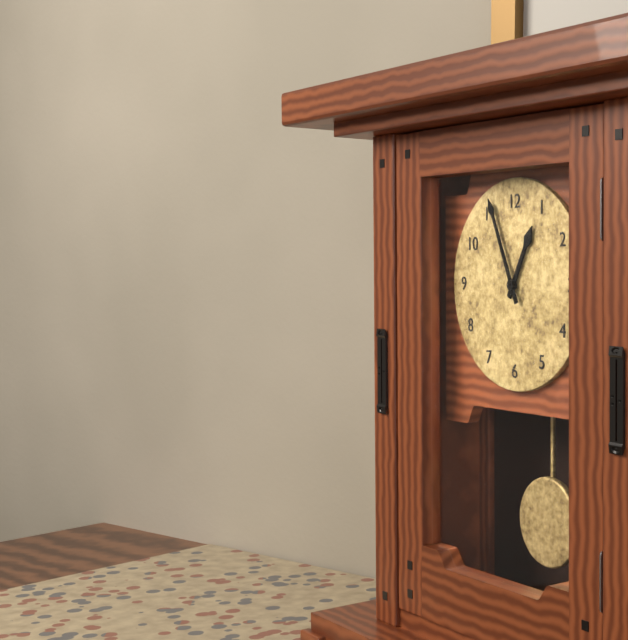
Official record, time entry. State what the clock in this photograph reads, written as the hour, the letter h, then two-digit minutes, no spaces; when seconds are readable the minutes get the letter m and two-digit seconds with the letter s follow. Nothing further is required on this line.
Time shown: 12h56
